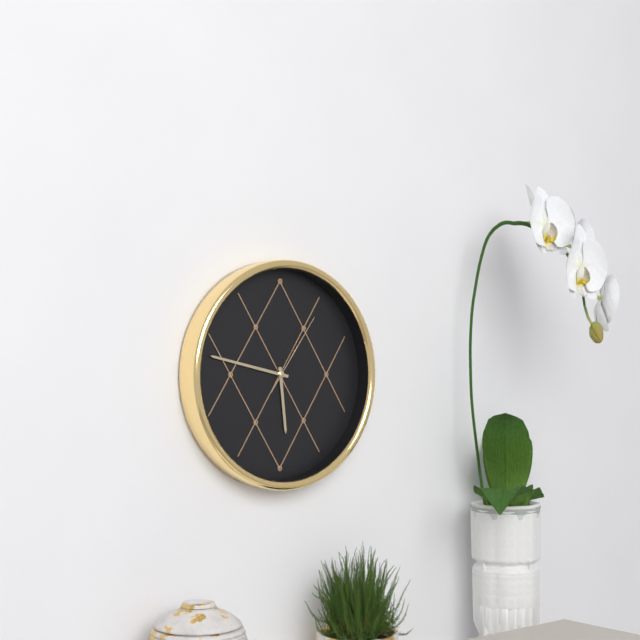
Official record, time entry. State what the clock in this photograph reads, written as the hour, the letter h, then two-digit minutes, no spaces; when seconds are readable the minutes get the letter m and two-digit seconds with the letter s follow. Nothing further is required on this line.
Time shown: 5h47m06s
